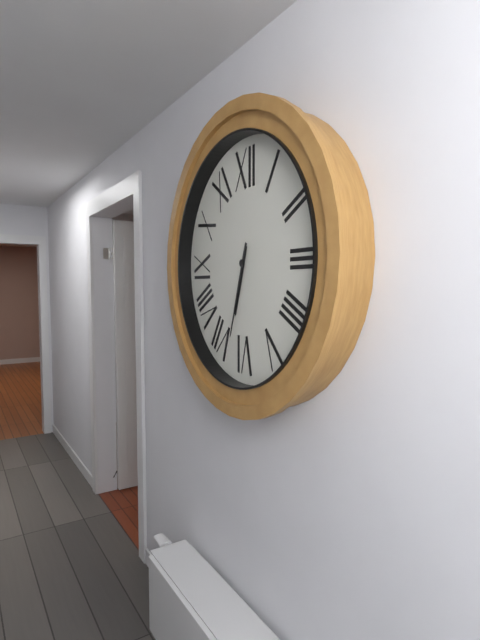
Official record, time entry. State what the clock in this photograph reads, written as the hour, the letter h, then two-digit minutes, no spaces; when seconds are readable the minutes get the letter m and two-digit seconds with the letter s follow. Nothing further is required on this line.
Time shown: 6h33
